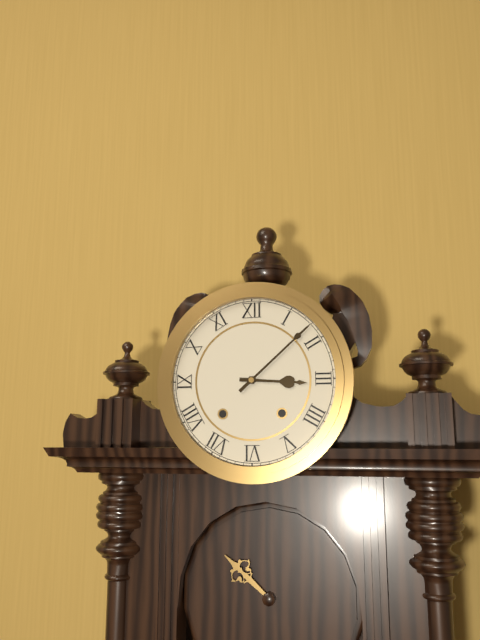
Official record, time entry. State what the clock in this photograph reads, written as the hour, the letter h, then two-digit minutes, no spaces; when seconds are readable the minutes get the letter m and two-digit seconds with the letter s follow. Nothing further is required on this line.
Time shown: 3h08
